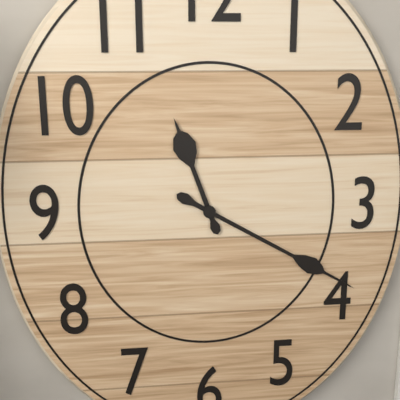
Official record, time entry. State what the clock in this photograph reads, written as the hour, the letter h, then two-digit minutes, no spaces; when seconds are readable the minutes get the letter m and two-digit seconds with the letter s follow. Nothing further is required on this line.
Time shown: 11h20
